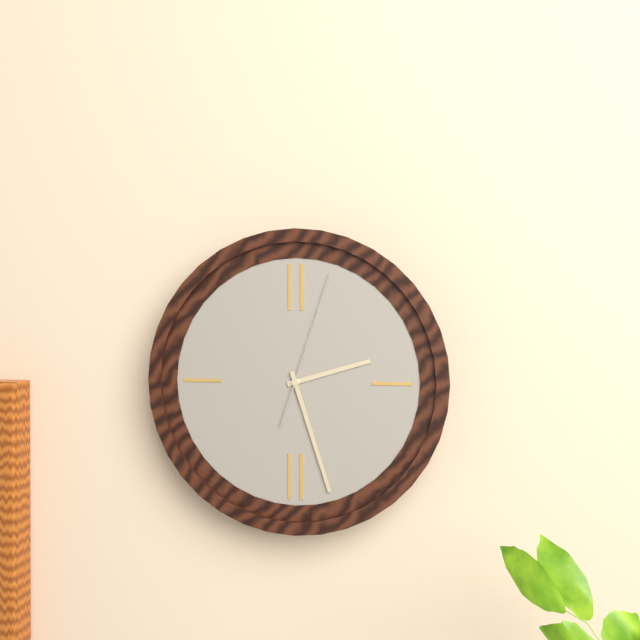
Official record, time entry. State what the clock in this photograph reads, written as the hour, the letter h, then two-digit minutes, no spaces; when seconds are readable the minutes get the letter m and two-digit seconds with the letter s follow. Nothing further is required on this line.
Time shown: 2h27m03s
